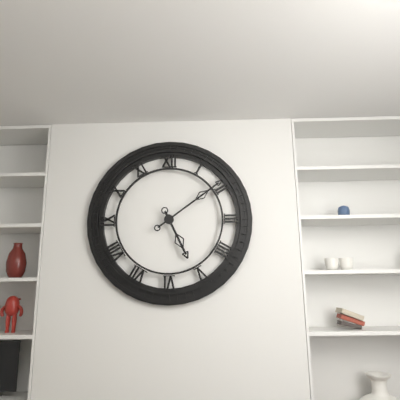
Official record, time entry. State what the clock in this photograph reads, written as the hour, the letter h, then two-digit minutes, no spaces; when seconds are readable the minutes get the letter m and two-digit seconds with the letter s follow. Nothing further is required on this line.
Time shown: 5h09
